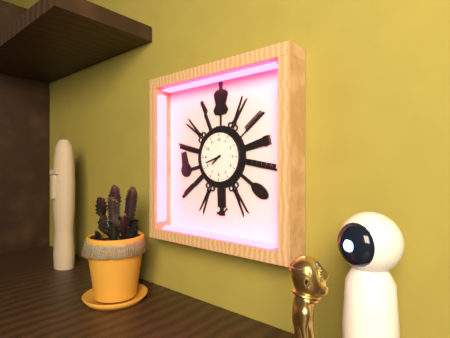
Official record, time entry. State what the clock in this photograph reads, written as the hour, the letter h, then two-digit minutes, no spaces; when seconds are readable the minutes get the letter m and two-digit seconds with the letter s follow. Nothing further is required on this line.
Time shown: 7h42
